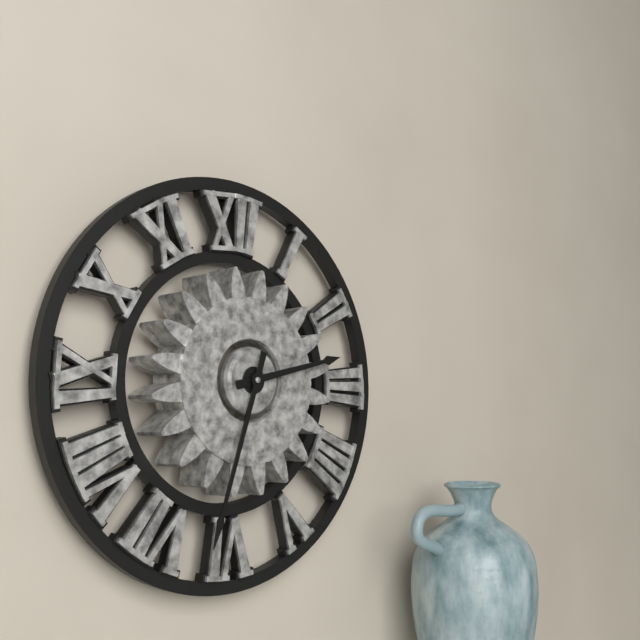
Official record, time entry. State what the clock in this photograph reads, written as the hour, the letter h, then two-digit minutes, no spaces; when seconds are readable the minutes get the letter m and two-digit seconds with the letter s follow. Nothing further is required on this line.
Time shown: 2h33
